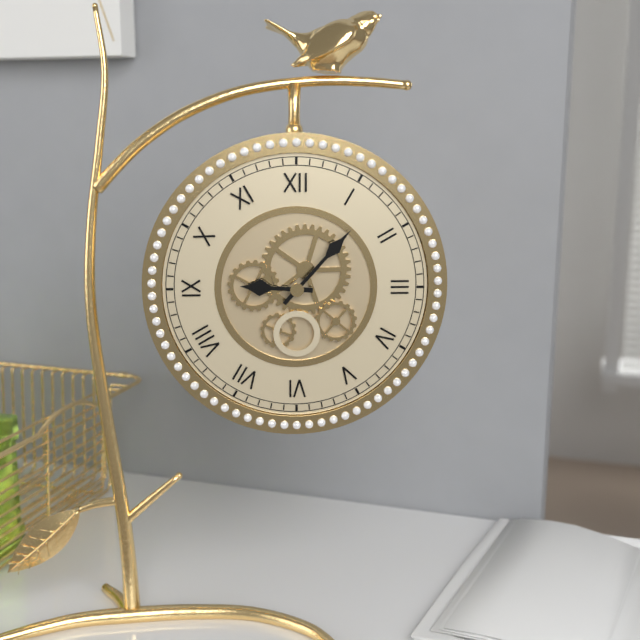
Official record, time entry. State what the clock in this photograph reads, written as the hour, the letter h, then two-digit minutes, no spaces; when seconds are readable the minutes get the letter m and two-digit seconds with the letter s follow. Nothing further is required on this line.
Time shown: 9h07
